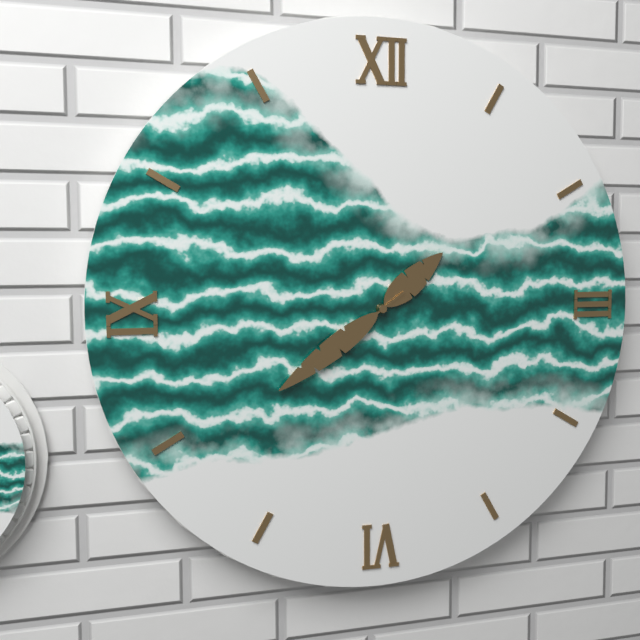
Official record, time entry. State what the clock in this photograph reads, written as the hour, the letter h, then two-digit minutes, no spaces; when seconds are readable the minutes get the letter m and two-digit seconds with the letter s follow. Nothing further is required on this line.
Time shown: 1h39
